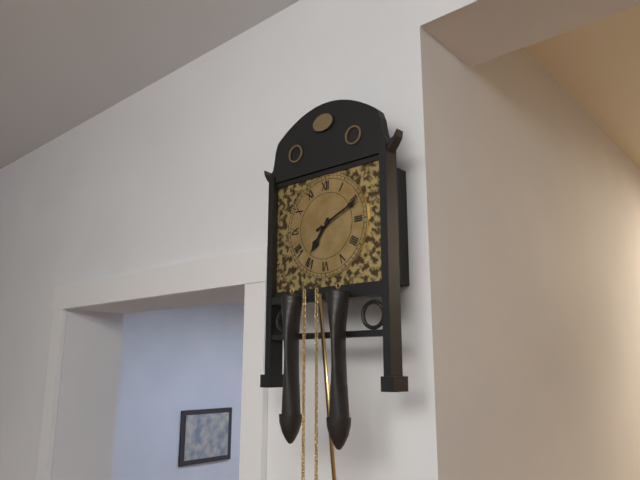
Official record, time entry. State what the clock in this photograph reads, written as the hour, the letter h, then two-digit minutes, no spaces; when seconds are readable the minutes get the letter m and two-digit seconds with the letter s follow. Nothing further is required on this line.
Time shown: 7h11
